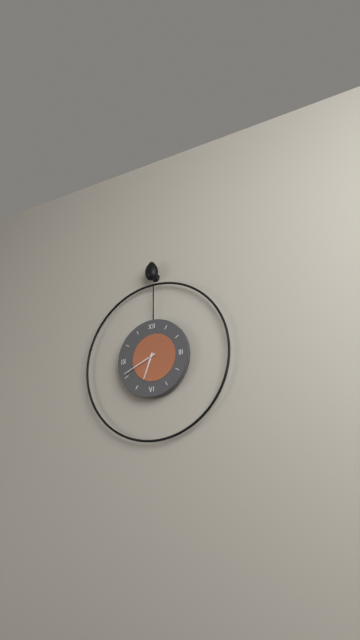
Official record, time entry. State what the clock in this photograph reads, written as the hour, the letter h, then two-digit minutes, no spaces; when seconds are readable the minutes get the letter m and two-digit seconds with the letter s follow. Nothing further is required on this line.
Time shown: 6h41
